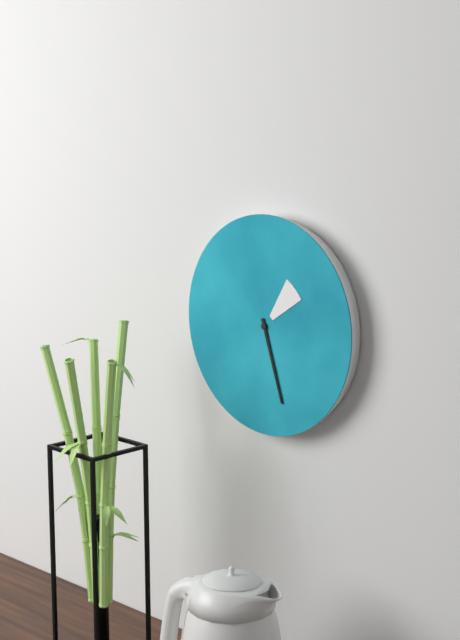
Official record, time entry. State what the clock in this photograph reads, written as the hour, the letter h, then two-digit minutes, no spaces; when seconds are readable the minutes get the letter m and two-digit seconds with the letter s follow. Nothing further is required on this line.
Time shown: 1h27
